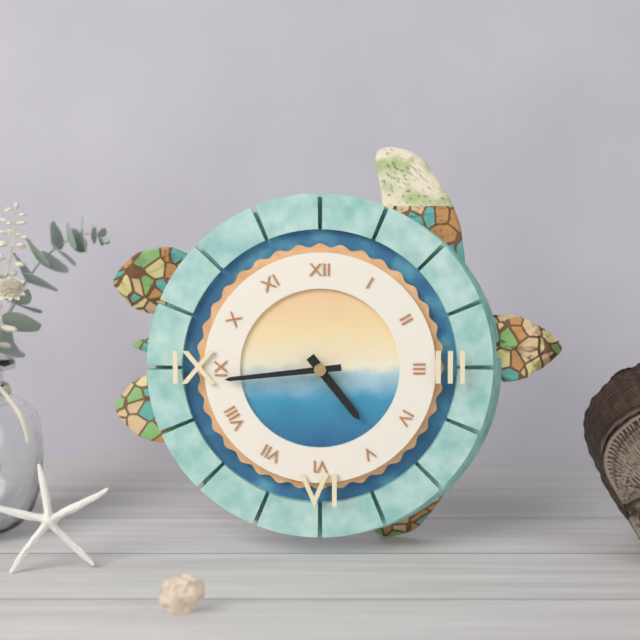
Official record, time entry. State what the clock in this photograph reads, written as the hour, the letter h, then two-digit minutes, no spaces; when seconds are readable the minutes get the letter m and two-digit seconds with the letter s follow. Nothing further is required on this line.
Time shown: 4h44
